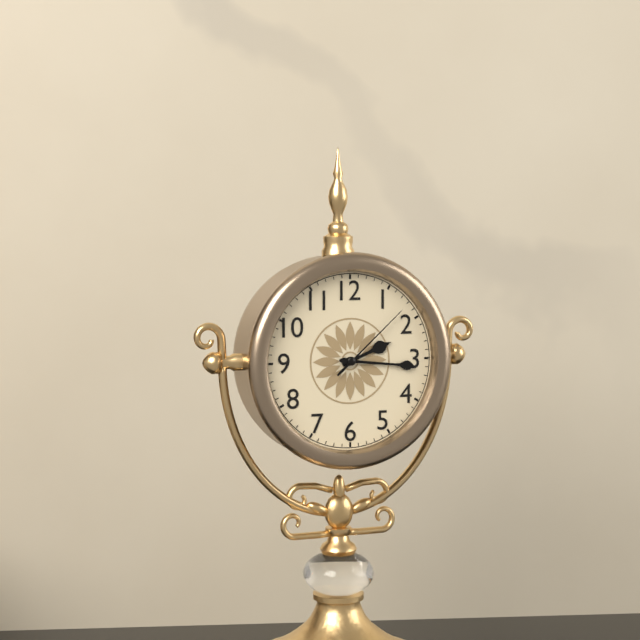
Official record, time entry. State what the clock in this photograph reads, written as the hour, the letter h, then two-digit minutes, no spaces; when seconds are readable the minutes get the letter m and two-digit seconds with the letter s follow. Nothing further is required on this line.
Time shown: 2h16m08s
